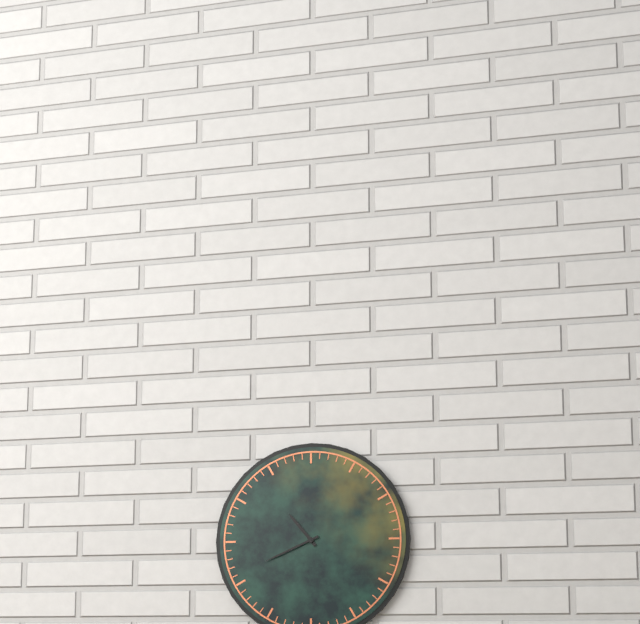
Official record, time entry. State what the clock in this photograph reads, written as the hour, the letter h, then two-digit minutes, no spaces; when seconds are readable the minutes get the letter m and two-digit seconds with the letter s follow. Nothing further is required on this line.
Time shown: 10h41
